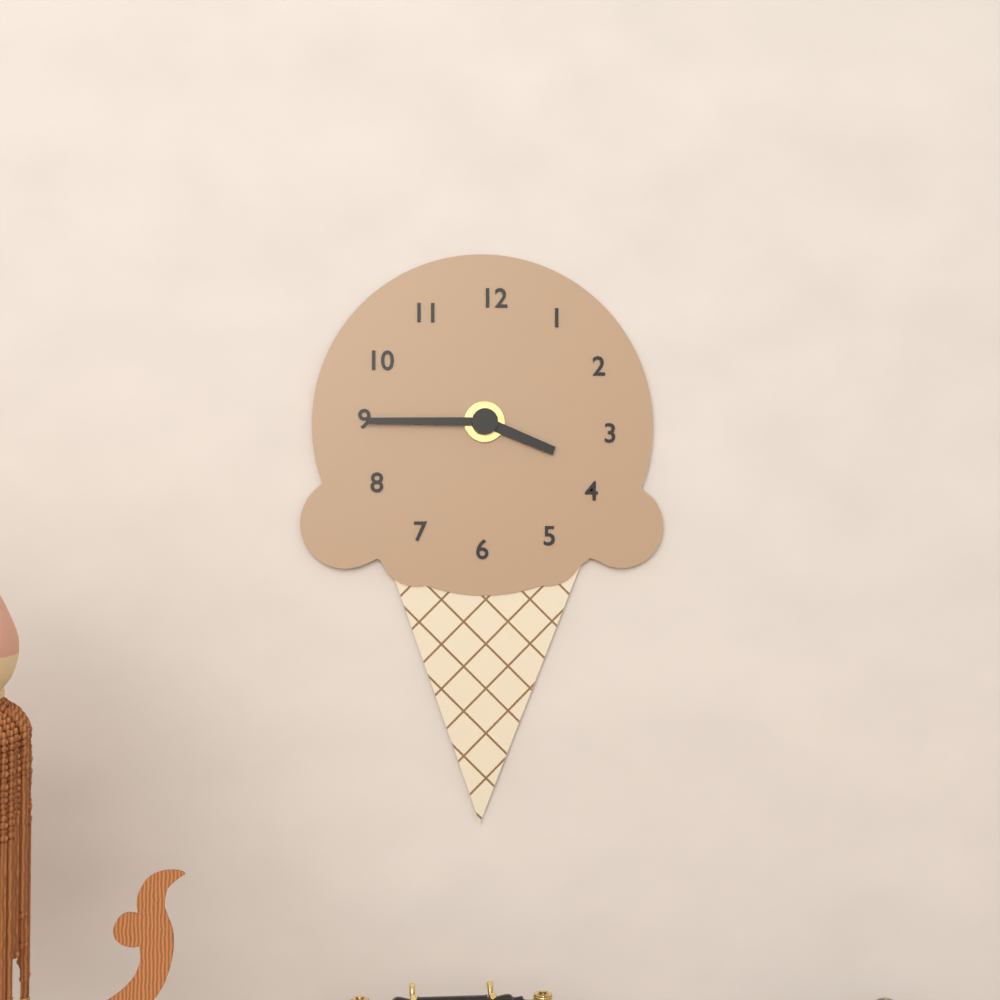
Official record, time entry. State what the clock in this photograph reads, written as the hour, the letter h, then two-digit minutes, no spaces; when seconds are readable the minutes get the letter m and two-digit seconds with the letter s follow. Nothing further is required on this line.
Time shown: 3h45
